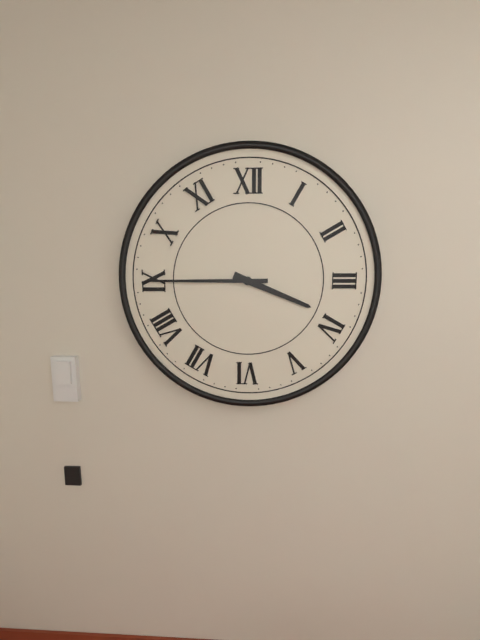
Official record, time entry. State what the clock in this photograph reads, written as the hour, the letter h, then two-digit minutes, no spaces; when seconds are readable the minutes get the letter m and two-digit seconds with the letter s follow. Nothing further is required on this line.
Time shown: 3h45
